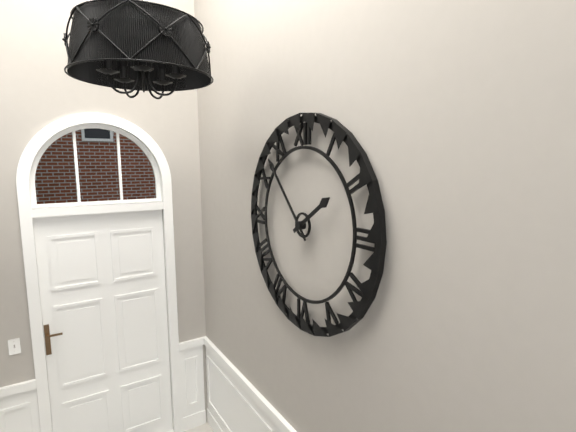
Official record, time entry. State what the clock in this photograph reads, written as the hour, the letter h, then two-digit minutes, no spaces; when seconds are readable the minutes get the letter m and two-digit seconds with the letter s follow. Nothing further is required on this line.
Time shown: 1h53
